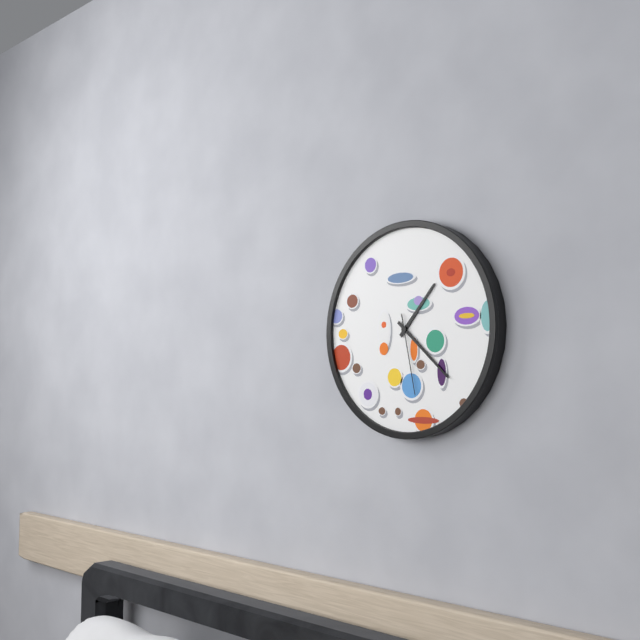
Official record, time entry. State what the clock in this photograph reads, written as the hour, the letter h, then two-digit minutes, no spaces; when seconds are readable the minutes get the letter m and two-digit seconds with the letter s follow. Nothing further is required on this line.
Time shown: 1h22m28s
